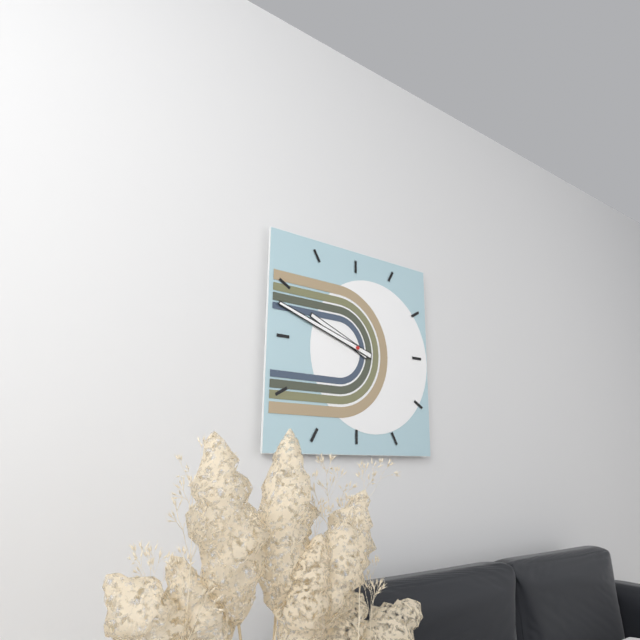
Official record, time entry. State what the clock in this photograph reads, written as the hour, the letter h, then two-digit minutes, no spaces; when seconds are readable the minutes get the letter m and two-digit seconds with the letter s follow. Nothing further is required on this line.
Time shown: 9h48
